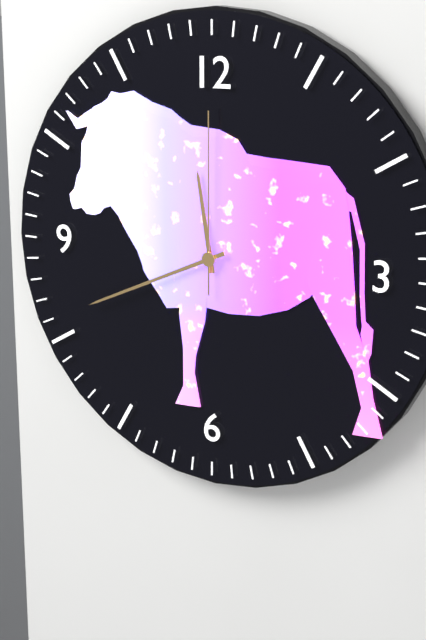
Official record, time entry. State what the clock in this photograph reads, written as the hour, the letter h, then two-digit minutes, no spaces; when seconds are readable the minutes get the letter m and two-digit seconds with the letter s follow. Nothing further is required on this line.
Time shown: 11h41m00s
